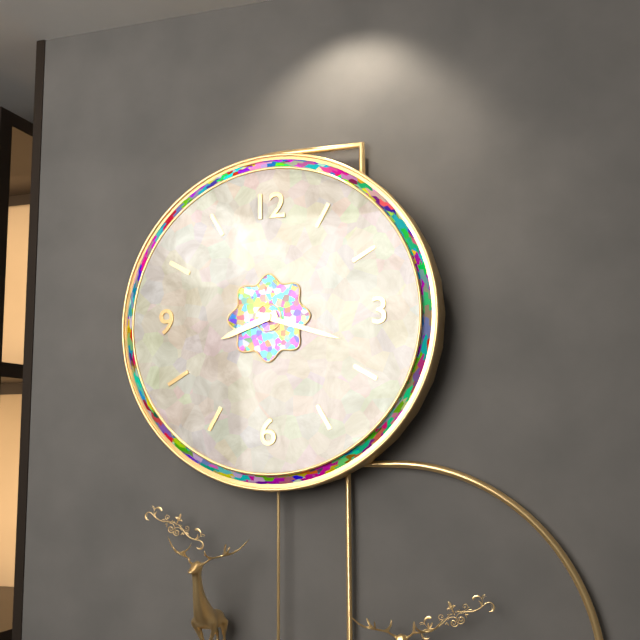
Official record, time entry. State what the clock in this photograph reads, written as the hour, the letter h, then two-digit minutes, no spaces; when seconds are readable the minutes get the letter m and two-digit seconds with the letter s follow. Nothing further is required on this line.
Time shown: 8h18
